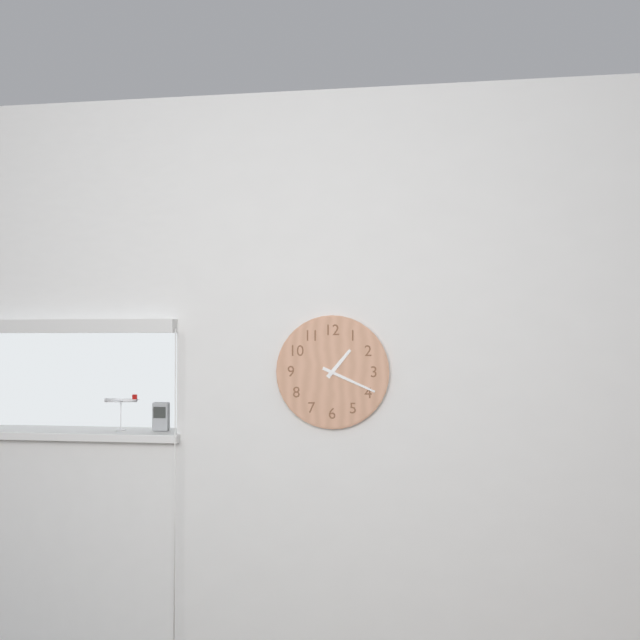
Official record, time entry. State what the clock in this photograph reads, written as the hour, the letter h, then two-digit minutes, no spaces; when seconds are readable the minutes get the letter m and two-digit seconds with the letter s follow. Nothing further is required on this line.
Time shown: 1h19
